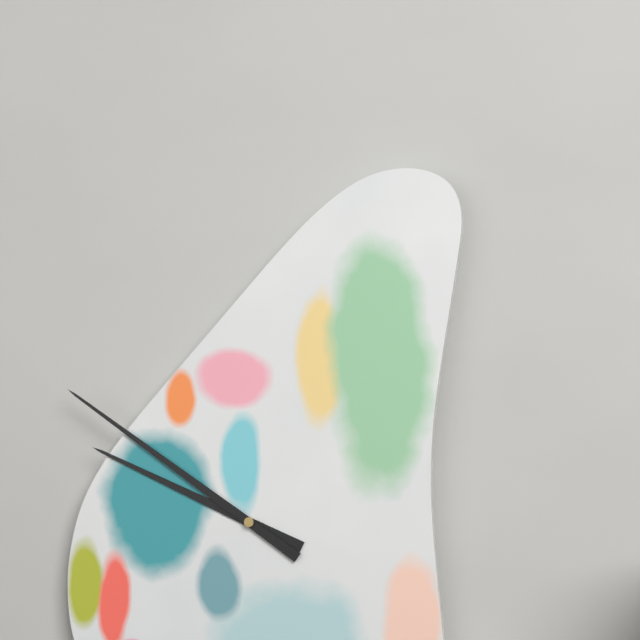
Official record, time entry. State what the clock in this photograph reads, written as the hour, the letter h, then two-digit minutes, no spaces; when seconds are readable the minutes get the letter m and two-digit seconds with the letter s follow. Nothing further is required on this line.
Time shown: 9h51
